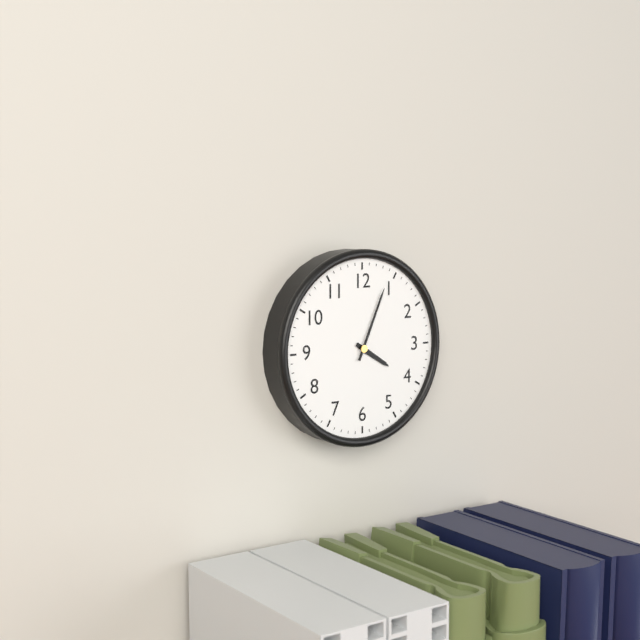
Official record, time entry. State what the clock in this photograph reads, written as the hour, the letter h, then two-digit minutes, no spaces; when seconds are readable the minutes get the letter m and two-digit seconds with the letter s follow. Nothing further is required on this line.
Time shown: 4h04
